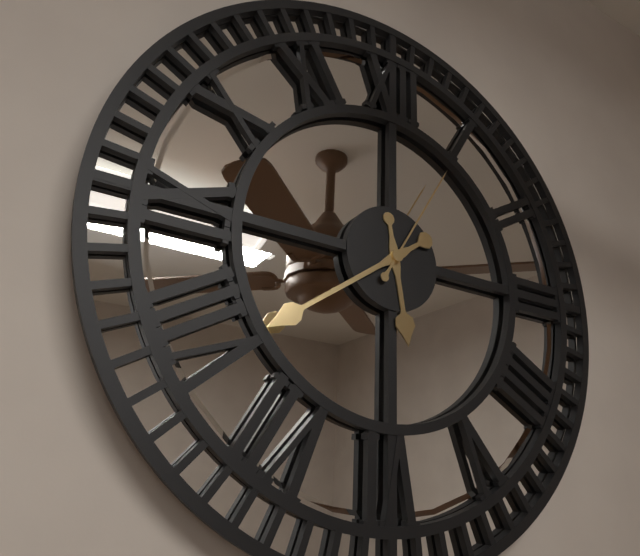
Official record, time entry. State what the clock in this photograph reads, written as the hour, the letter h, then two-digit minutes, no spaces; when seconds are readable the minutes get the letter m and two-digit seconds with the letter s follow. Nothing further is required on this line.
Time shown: 5h39m05s
